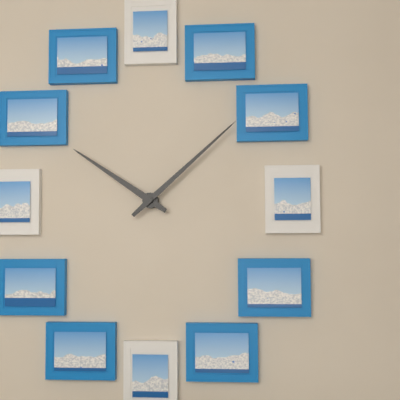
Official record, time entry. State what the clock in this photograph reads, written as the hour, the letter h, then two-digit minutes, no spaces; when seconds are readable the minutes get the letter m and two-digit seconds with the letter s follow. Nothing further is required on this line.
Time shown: 10h08
